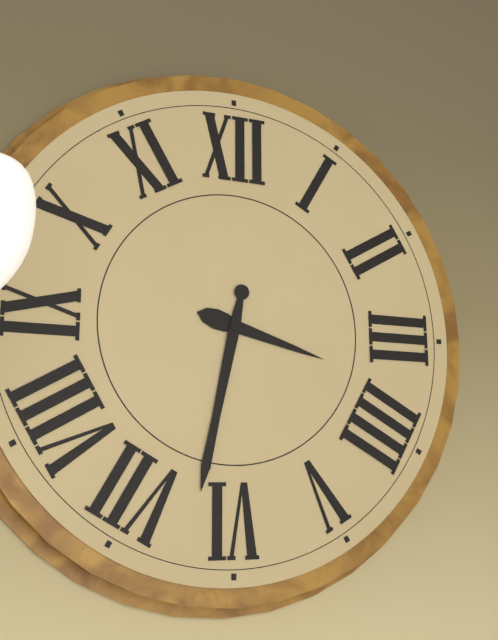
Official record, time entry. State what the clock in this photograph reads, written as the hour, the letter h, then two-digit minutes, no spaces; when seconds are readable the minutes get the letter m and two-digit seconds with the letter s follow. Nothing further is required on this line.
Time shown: 3h32
